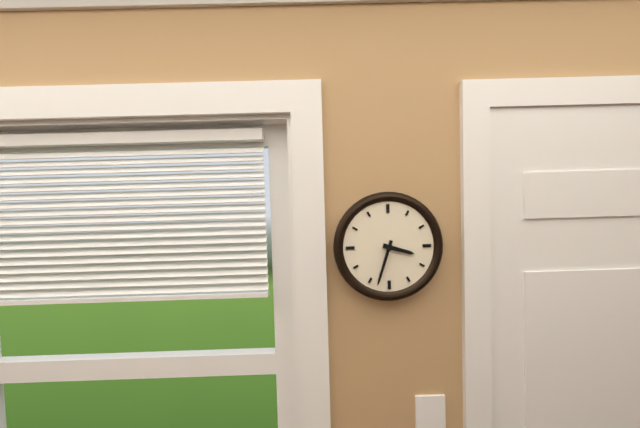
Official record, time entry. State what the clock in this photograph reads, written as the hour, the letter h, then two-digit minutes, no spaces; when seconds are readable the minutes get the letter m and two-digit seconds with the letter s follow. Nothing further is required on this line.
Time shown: 3h33
